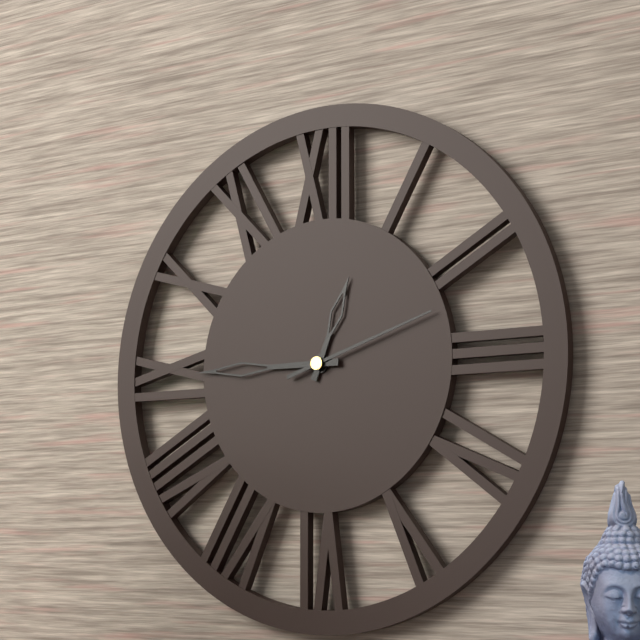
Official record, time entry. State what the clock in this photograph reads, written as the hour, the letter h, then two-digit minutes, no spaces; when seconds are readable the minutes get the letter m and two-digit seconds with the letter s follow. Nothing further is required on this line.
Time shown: 12h45m12s
